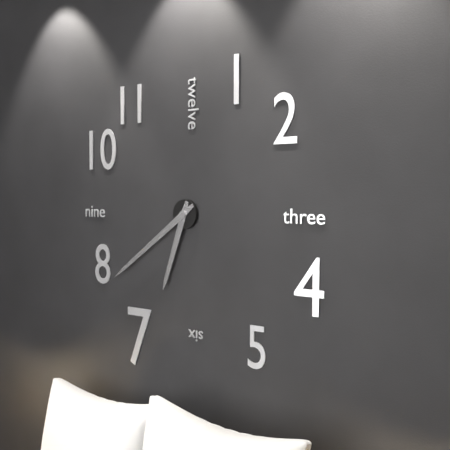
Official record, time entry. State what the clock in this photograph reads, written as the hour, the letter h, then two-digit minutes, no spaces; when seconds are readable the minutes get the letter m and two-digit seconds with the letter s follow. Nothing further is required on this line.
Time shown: 6h39
